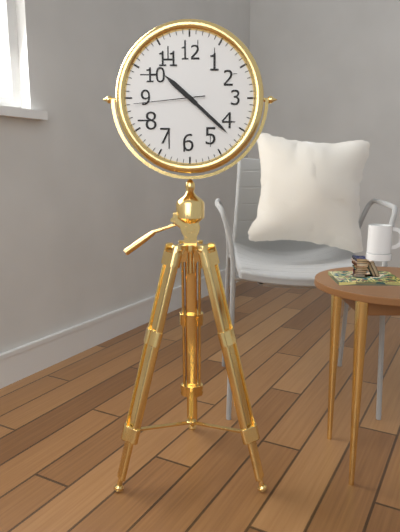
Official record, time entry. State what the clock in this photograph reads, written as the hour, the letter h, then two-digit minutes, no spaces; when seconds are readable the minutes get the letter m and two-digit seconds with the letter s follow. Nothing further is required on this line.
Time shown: 10h22m44s
